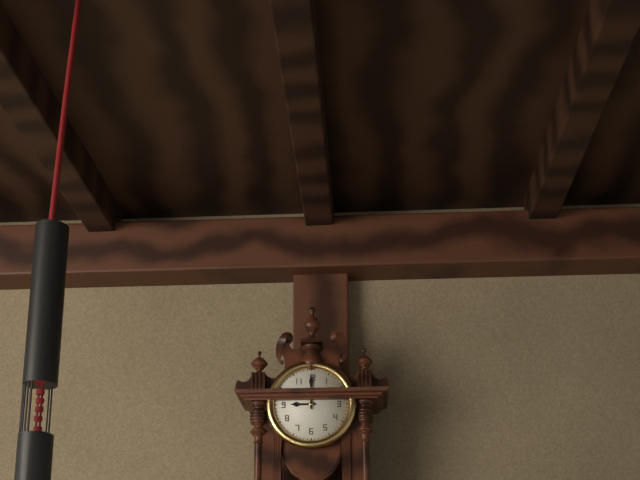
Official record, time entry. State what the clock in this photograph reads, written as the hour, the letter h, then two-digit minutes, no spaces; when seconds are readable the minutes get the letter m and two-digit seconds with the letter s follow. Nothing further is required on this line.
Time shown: 9h00
